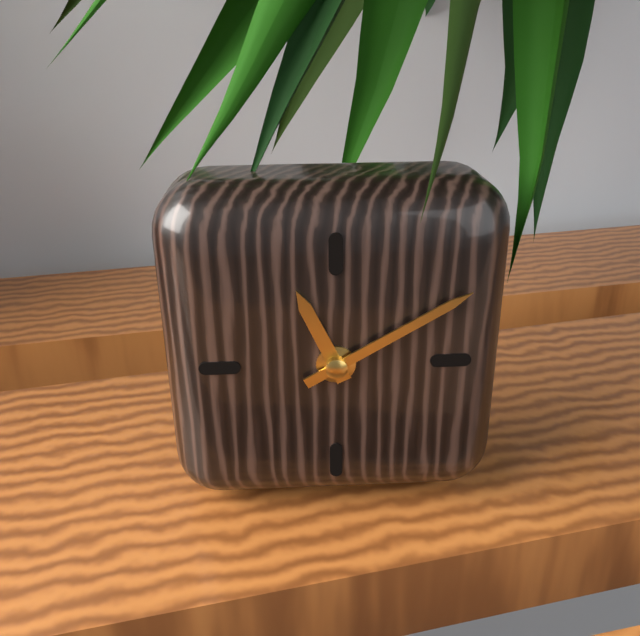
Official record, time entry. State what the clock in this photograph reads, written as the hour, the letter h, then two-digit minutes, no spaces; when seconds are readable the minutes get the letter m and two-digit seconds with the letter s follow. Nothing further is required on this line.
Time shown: 11h10
